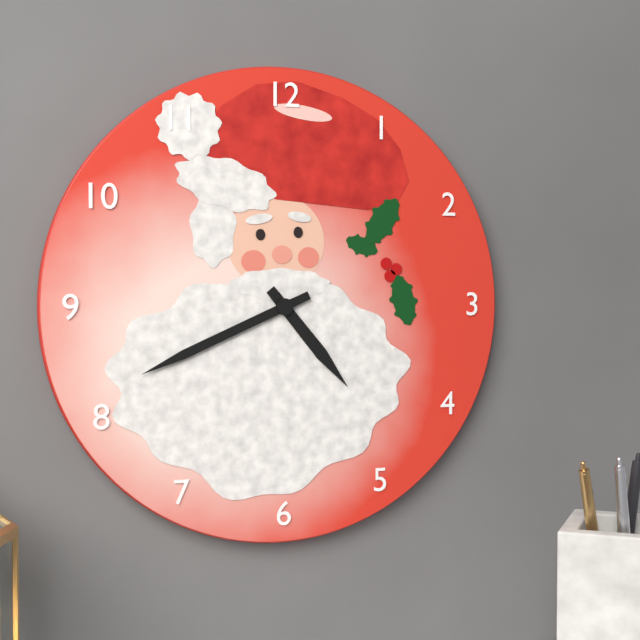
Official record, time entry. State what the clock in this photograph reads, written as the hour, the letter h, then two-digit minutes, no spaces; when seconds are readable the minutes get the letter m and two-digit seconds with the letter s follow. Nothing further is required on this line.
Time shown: 4h41
